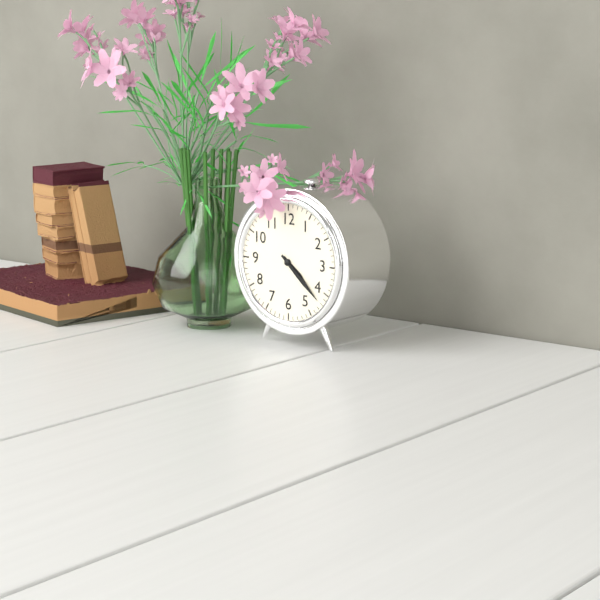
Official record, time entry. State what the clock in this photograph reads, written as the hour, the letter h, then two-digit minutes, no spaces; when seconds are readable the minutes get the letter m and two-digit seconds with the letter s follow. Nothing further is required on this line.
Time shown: 4h22
